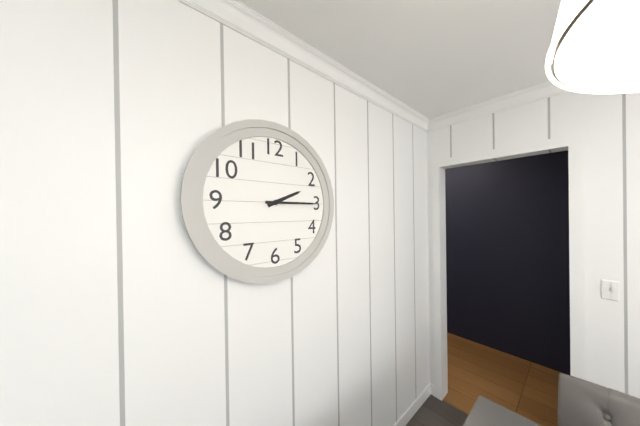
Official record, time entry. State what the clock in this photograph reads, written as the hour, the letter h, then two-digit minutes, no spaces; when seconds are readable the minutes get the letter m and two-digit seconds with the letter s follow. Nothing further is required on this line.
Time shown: 2h15
